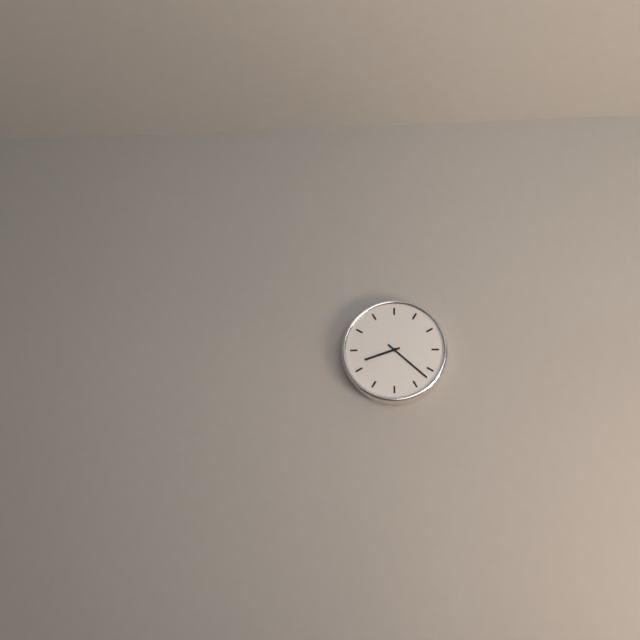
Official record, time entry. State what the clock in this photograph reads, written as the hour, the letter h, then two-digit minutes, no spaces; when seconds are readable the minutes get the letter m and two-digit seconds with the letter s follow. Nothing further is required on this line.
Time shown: 8h22
